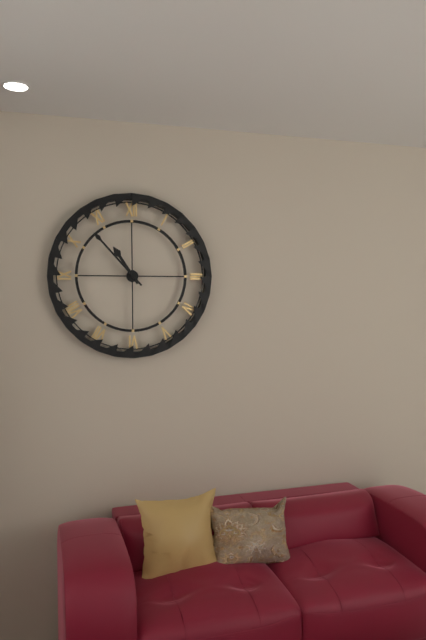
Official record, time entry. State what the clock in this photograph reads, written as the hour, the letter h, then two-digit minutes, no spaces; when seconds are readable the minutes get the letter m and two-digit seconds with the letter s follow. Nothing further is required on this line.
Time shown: 10h53
